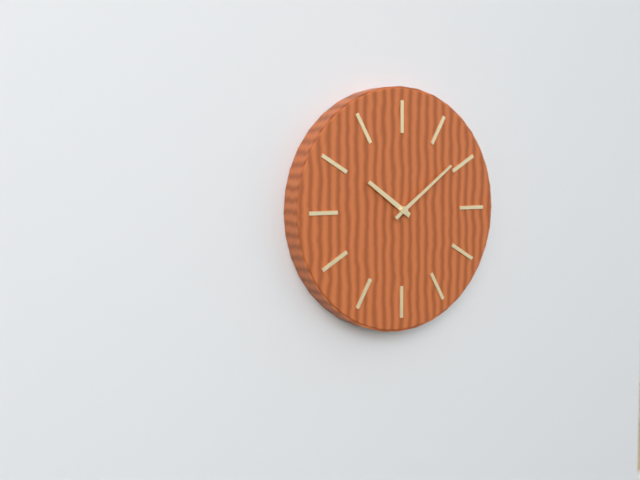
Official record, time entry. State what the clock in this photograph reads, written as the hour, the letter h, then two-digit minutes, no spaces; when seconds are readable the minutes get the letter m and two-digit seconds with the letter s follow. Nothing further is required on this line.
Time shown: 10h09
